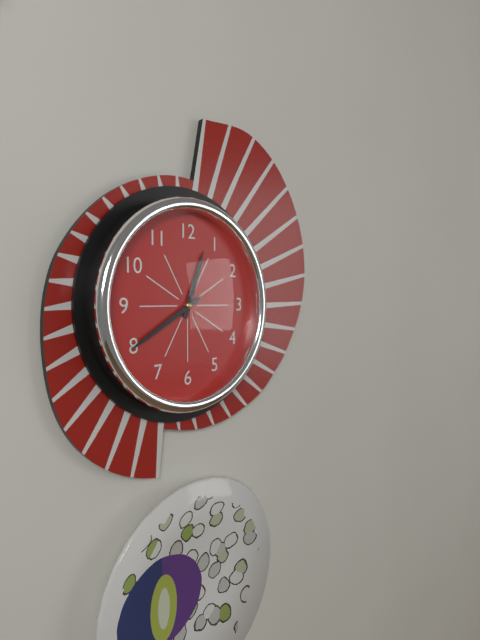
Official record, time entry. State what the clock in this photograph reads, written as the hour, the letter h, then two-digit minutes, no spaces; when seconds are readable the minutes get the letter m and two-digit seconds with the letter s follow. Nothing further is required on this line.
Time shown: 12h40
